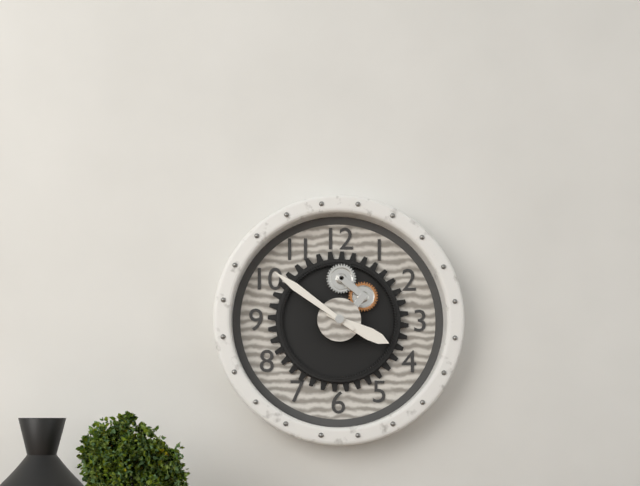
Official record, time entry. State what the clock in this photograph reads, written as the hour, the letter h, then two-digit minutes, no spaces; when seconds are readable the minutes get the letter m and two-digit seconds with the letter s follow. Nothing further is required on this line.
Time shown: 3h51
